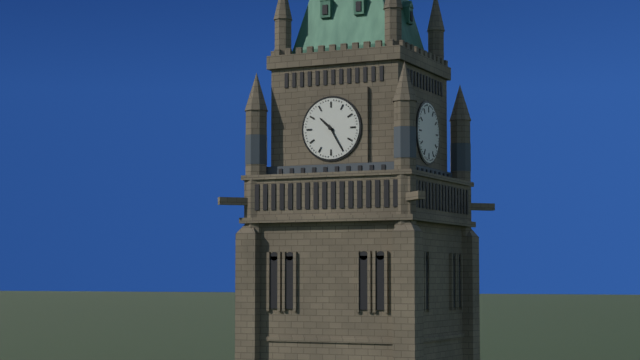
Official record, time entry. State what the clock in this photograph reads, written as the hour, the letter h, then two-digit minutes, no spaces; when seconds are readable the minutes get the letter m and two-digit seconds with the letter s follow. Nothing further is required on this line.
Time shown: 10h25
